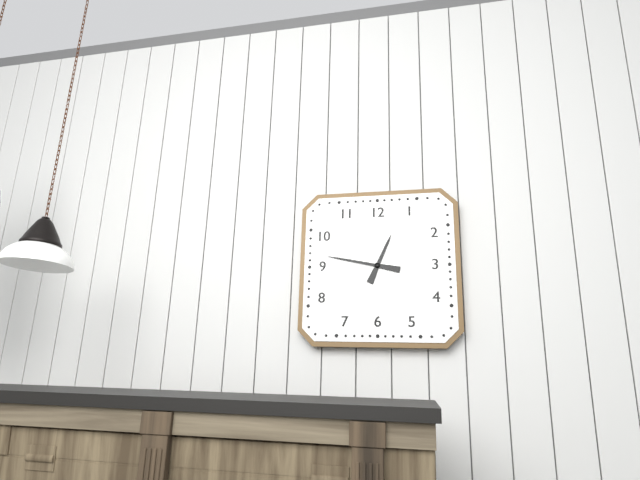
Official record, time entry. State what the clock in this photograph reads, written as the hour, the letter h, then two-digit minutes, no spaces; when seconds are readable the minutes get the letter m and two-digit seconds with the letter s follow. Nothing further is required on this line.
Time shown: 12h47
